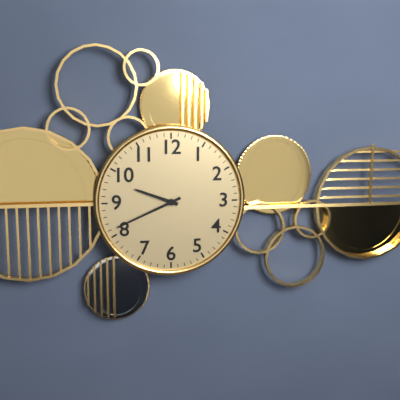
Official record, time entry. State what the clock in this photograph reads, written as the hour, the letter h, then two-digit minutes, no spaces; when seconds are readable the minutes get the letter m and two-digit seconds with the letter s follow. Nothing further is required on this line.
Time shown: 9h41
